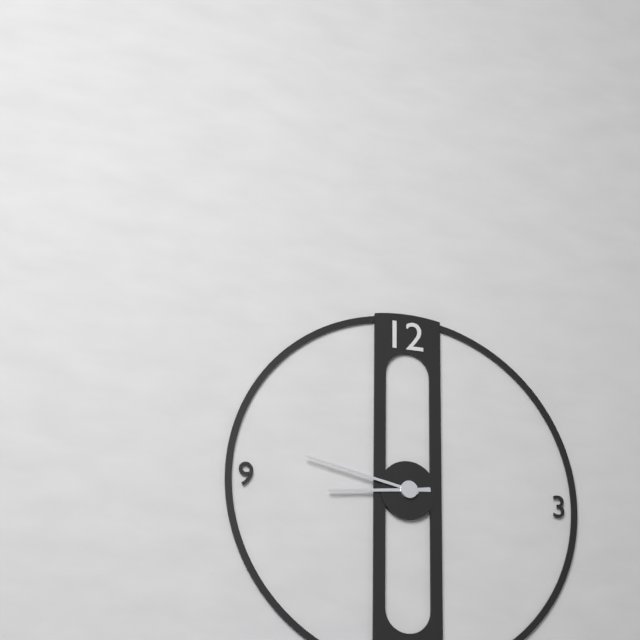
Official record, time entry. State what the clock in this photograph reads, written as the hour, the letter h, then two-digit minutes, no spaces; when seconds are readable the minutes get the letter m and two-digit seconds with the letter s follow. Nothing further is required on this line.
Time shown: 8h47
